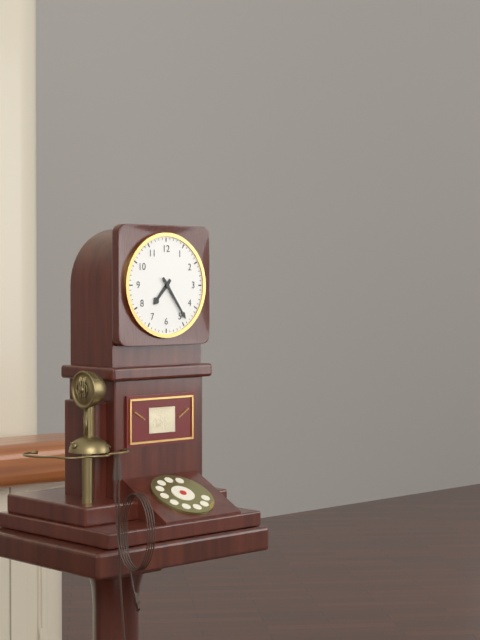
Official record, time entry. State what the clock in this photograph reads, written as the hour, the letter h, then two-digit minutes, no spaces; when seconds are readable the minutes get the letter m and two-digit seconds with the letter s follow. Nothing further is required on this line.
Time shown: 7h24
